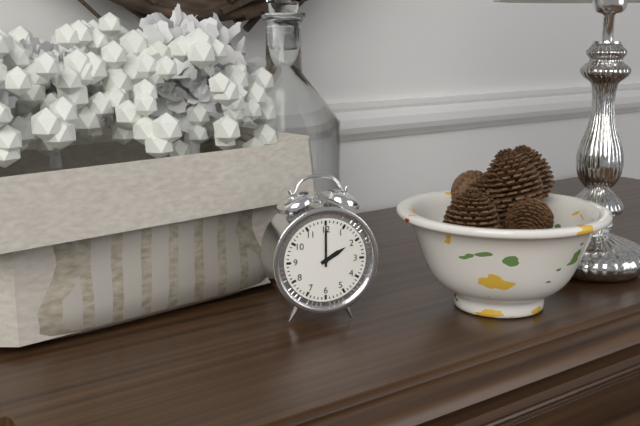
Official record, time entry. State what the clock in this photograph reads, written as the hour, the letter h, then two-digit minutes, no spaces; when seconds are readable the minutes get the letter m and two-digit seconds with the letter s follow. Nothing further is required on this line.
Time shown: 2h00
